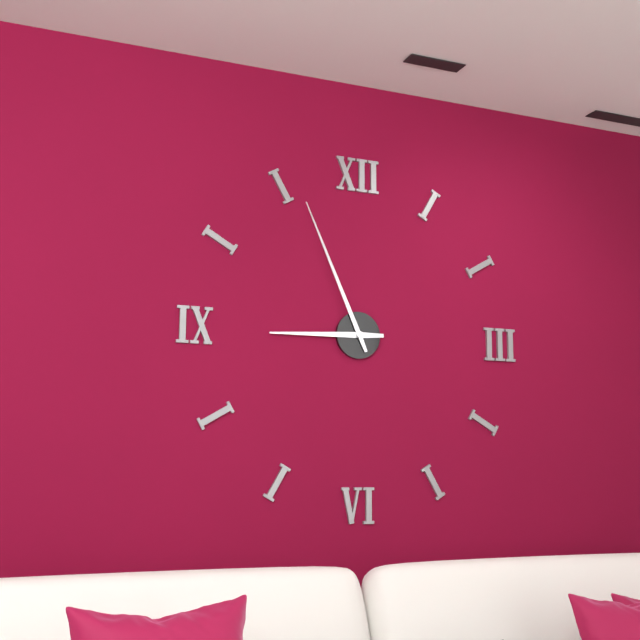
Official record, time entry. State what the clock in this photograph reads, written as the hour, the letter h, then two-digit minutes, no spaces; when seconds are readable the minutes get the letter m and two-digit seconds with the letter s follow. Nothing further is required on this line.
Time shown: 8h56
